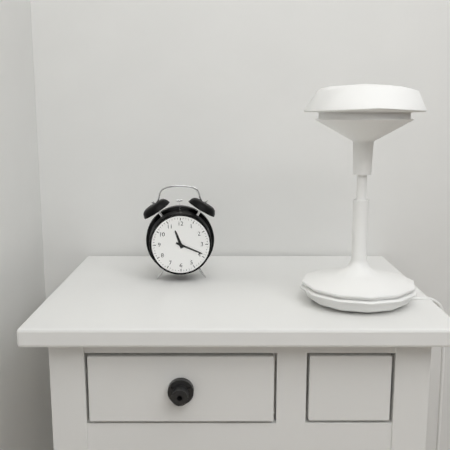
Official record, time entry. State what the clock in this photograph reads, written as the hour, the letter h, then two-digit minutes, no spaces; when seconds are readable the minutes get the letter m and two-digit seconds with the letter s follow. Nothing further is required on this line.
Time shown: 11h19
